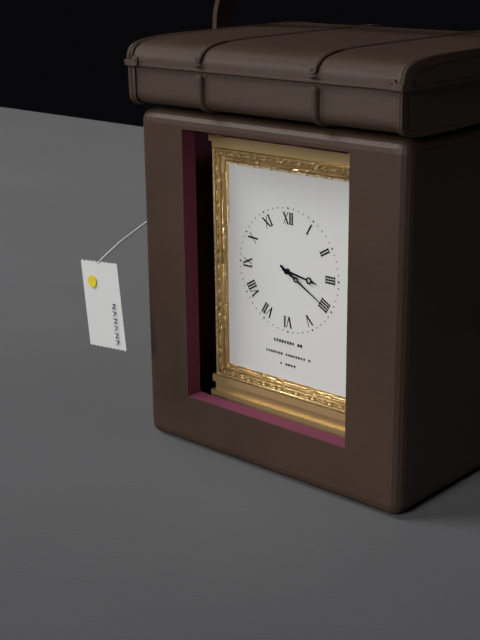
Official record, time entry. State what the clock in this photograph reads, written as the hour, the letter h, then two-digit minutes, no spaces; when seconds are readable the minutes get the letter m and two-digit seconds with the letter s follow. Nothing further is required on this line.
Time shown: 3h20
